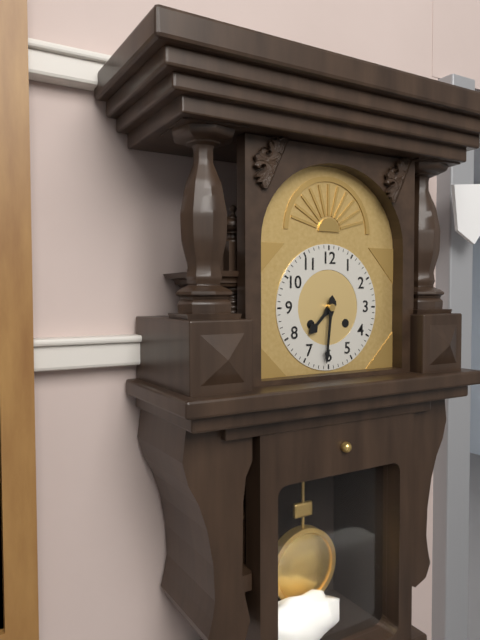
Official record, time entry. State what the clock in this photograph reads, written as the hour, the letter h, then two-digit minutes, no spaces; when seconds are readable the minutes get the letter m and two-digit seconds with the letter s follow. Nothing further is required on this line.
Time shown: 7h31
